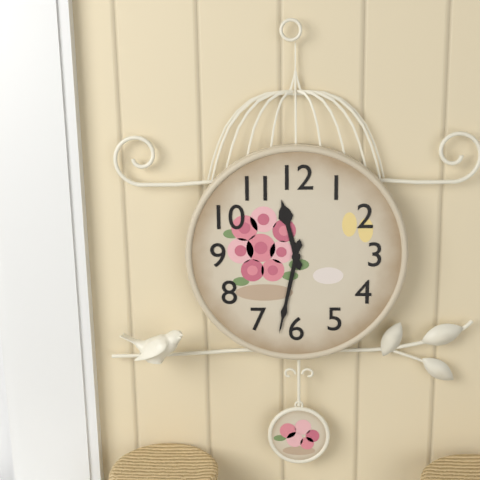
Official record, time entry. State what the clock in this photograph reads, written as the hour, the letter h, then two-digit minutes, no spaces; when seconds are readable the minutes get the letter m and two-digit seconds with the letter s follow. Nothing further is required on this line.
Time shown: 11h32
